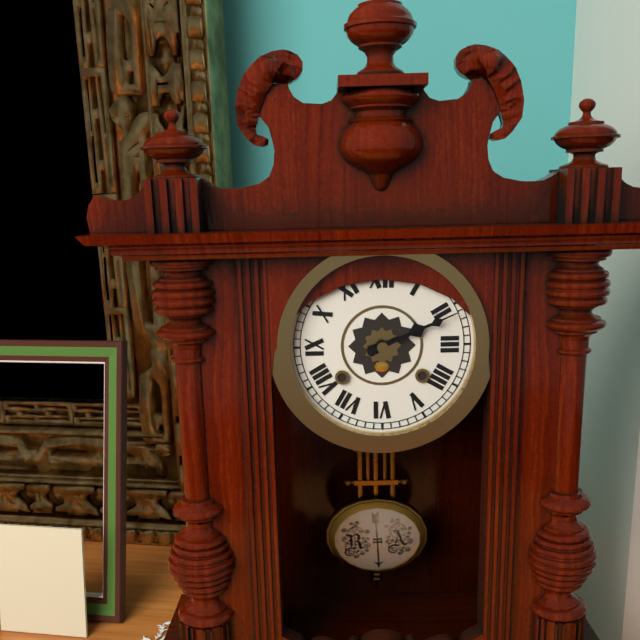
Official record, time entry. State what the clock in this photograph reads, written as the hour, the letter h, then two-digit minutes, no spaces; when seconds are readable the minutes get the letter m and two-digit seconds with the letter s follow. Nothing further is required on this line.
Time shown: 2h11
